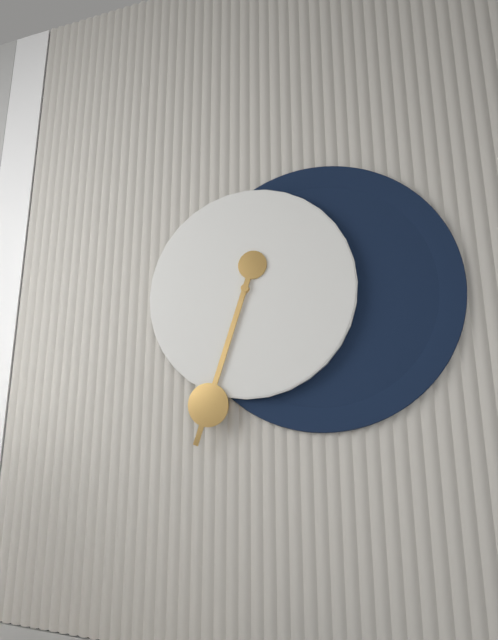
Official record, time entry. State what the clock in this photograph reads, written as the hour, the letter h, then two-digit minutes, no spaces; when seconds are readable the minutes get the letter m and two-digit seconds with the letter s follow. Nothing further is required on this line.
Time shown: 12h33
